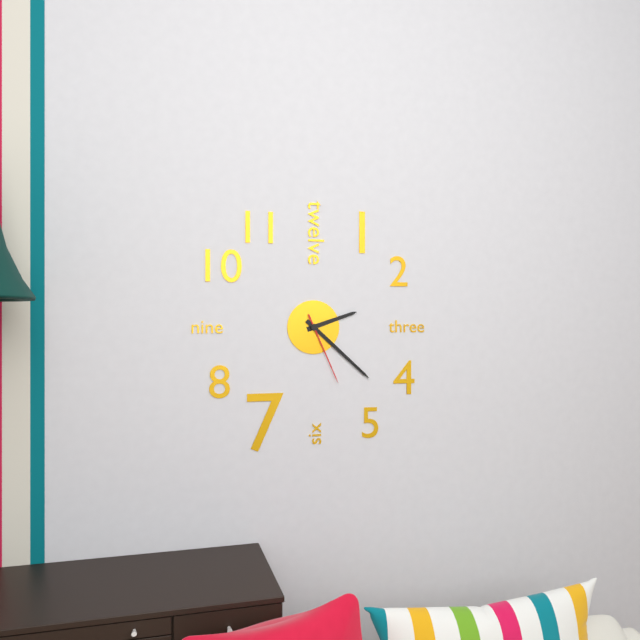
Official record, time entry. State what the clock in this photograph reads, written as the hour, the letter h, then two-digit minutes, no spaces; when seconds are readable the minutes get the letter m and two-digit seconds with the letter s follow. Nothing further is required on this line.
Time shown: 2h22m26s
